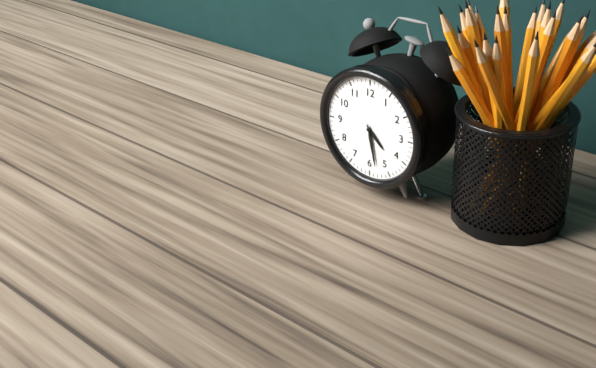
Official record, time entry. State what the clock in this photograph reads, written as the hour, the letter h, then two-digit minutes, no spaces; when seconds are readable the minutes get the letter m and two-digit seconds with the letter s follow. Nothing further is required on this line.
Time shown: 4h28
